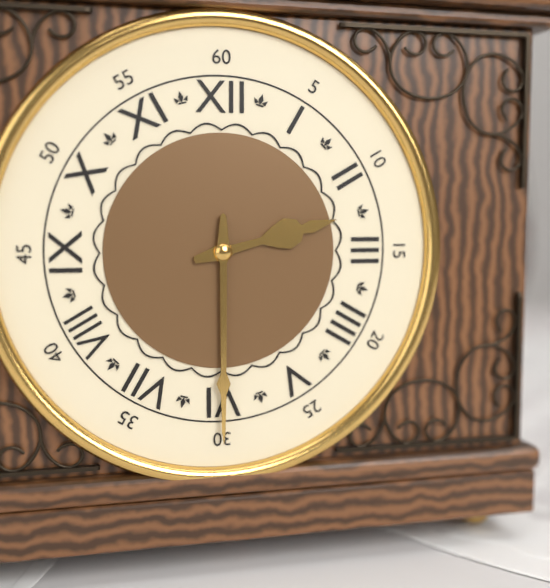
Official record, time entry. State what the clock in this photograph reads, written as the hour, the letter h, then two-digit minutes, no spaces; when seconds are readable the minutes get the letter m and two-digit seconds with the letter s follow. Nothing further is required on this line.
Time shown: 2h30
